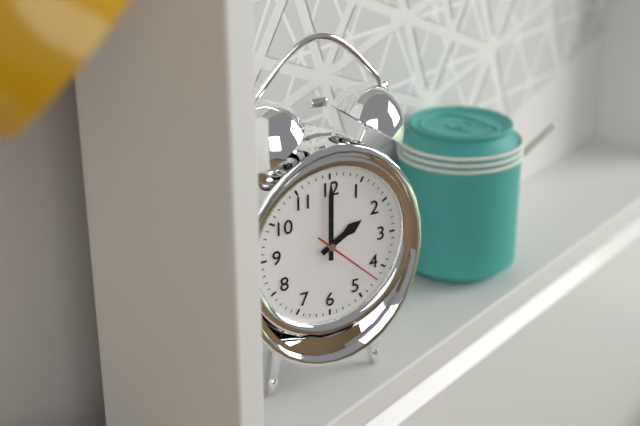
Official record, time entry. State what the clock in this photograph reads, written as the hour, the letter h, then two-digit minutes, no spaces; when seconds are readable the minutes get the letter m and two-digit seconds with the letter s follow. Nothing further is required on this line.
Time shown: 2h00m22s
